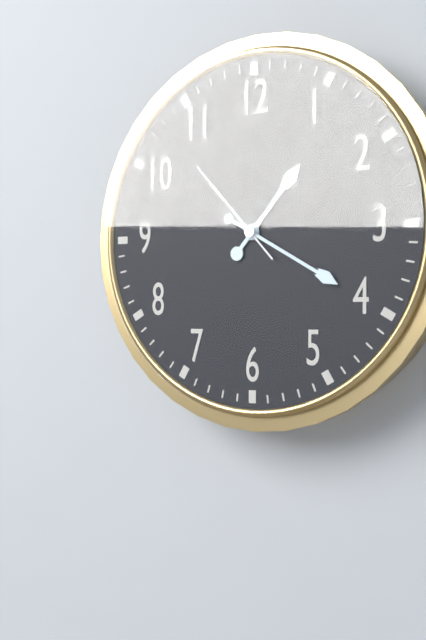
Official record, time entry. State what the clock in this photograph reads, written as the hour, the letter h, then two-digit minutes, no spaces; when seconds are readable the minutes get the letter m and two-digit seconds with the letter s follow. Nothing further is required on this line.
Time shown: 1h20m53s
